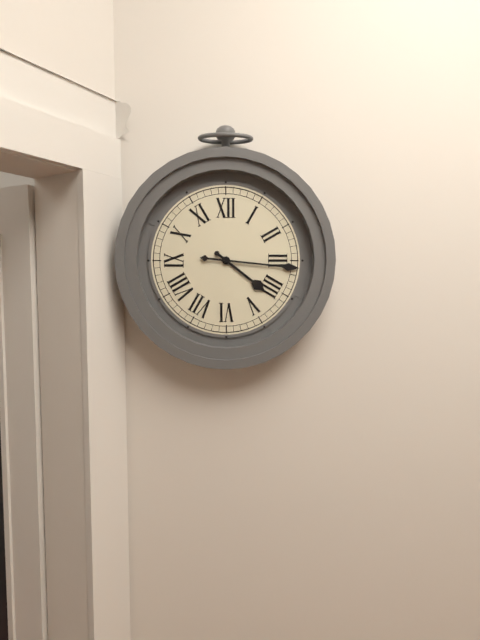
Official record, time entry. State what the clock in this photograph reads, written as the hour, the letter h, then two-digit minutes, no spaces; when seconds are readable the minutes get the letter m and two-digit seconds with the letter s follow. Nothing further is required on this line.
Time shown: 4h16
